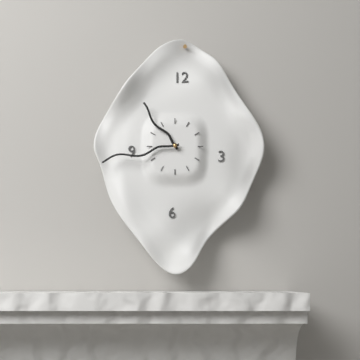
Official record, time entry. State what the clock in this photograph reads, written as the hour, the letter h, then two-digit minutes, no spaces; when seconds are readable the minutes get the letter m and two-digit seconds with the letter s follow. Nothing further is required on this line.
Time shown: 10h43
